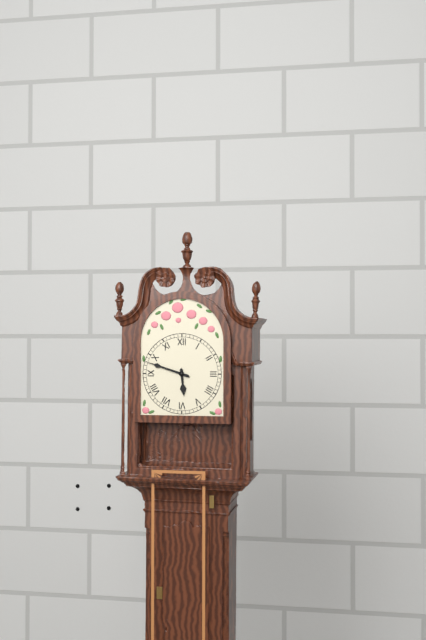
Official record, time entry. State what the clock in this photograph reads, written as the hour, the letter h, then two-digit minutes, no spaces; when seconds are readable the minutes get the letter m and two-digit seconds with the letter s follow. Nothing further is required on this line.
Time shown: 5h48
